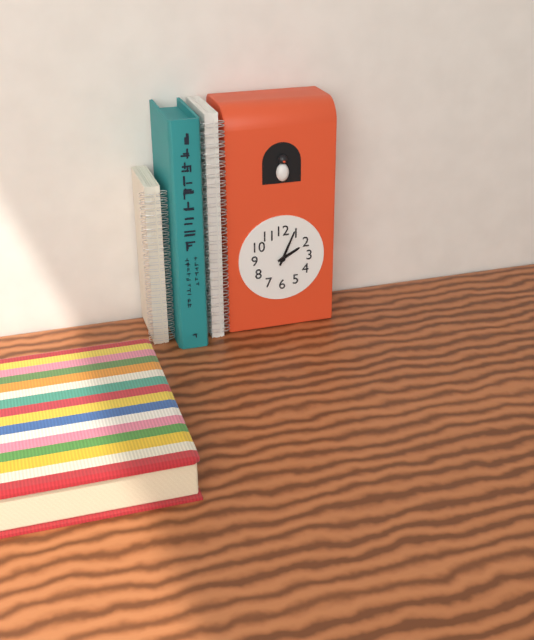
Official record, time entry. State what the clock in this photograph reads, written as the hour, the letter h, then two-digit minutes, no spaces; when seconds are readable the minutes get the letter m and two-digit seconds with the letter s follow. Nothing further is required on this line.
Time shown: 2h04
